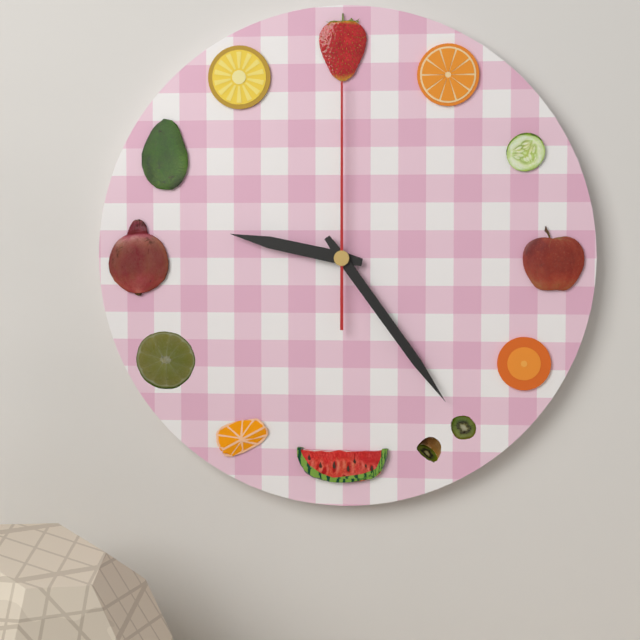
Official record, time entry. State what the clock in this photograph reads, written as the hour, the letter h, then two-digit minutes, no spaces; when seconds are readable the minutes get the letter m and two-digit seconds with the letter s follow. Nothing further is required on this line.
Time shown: 9h24m00s
